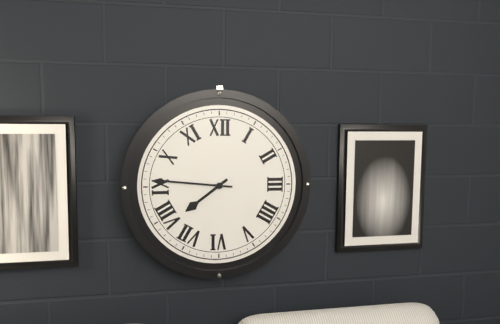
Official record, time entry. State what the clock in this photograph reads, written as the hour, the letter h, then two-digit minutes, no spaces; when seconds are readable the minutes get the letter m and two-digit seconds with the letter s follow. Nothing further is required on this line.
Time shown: 7h46
